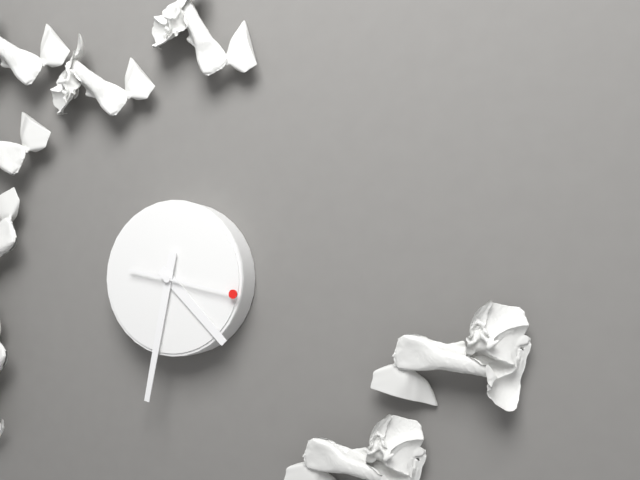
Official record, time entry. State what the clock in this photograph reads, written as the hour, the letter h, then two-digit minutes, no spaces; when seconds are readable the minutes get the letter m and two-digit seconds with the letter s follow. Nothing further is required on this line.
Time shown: 4h32m17s
